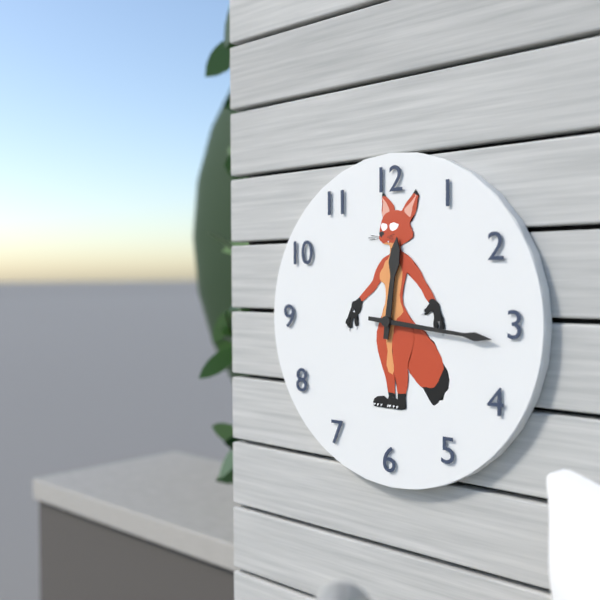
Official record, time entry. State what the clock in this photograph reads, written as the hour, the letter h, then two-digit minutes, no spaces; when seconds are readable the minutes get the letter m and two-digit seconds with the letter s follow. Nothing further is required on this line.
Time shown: 12h16
